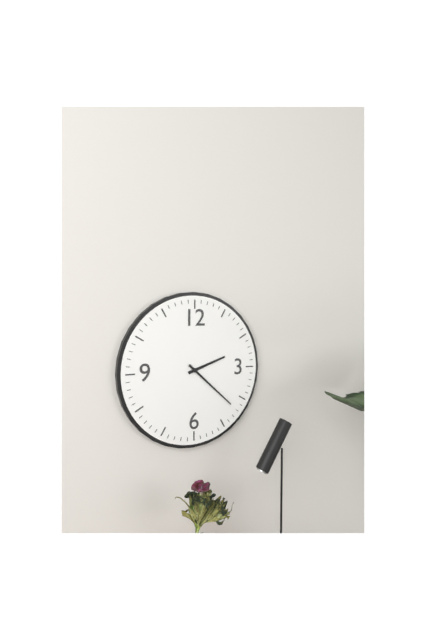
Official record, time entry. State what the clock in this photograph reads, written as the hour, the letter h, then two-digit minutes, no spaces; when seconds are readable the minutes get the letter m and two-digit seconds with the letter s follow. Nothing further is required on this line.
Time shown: 2h22
